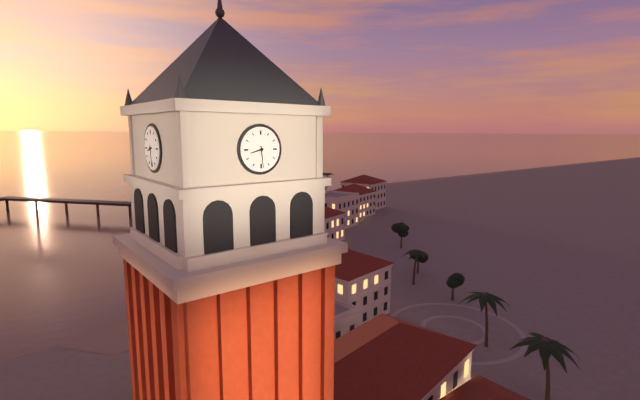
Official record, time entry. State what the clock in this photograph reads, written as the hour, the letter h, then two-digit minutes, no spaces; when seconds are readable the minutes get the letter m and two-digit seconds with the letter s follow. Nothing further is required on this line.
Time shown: 8h29
